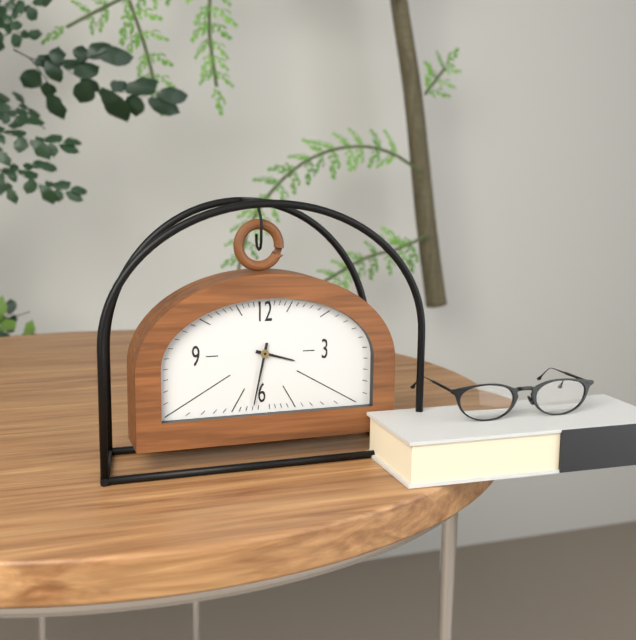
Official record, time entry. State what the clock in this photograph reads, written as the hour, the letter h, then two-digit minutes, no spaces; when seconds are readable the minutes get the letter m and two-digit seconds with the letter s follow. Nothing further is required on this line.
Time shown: 3h32
